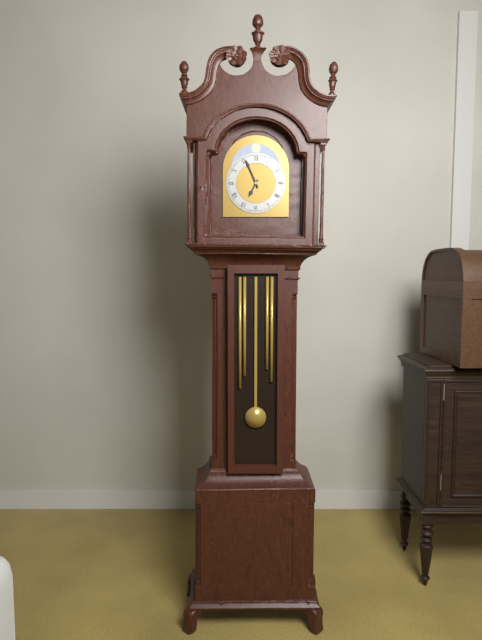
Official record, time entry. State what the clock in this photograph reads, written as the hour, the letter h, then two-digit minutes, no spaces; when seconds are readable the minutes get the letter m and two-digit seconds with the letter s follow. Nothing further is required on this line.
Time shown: 6h56
